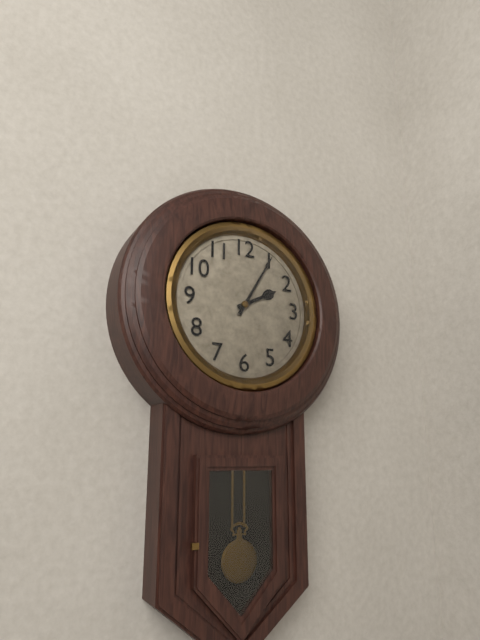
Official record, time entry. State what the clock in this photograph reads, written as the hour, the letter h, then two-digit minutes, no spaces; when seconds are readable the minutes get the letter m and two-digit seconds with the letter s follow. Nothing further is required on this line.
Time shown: 2h05
